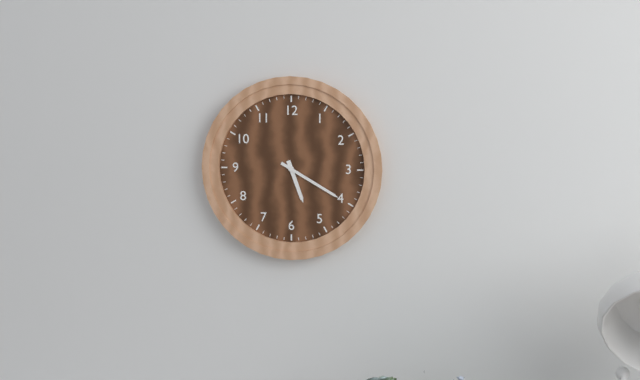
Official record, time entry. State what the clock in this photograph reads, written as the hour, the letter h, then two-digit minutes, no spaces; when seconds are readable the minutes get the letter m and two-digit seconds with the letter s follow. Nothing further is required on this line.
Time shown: 5h20
